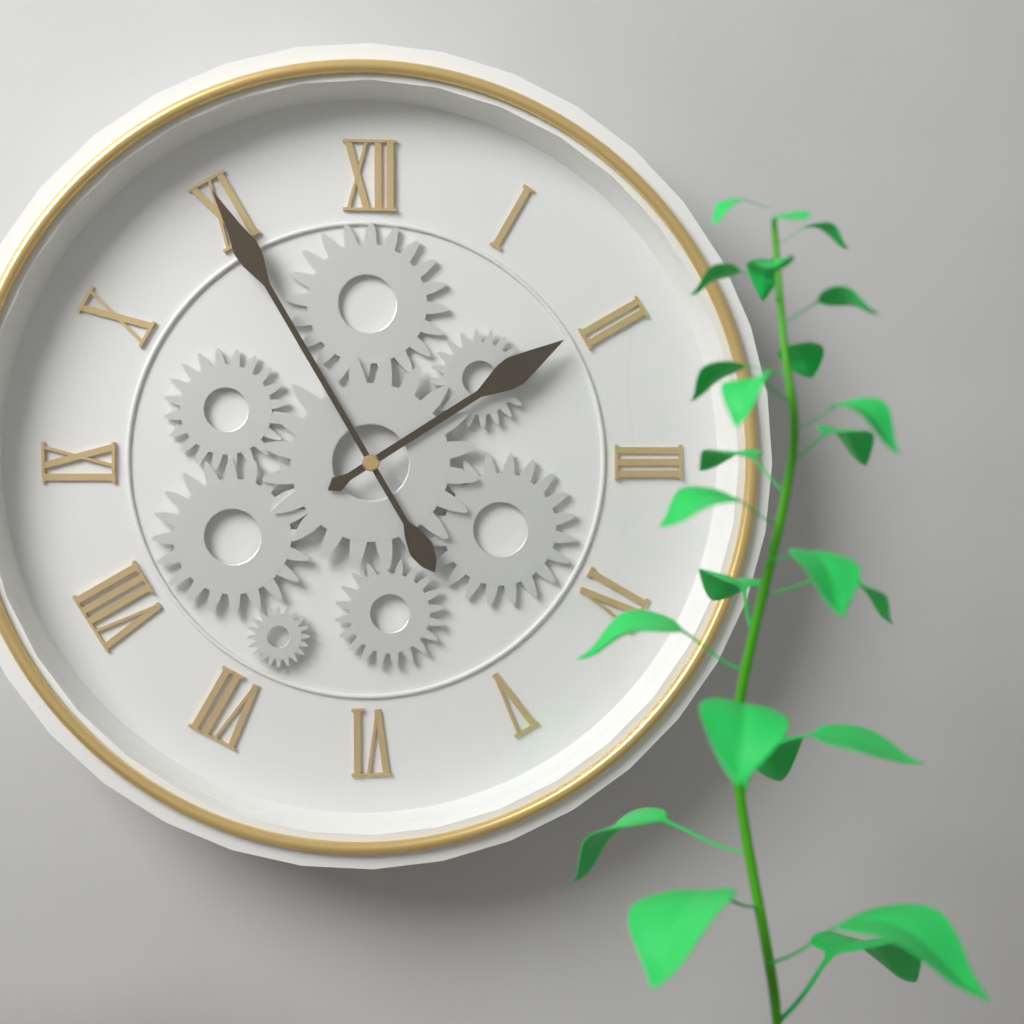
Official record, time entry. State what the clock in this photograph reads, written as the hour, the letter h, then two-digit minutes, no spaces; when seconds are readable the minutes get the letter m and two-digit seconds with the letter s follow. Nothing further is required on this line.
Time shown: 1h55
